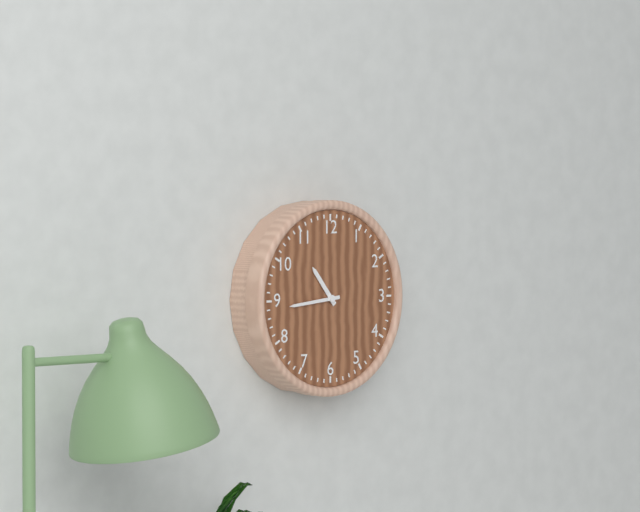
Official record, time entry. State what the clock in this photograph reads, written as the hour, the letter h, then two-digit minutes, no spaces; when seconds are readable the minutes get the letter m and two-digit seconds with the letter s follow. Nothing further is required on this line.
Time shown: 10h44
